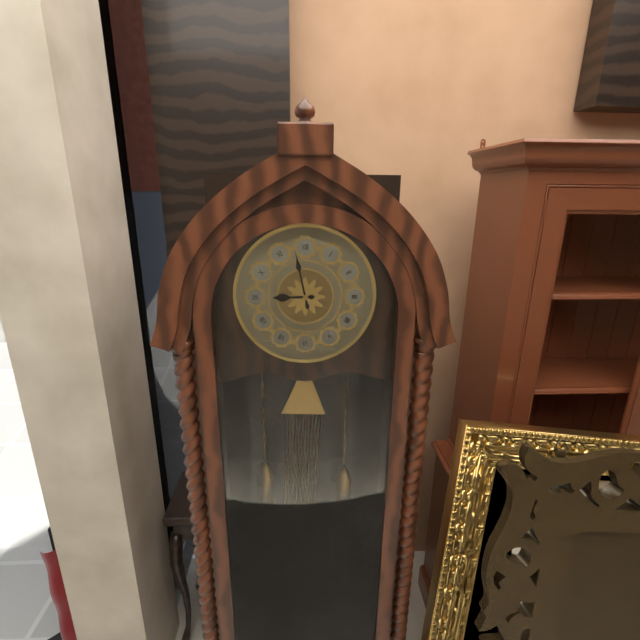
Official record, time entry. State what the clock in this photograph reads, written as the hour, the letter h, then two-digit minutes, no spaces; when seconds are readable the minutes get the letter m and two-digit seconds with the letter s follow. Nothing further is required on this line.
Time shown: 8h58
